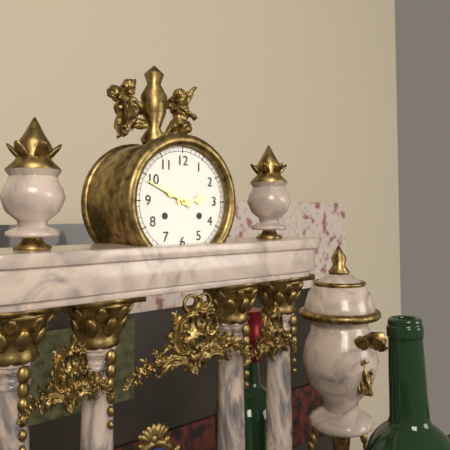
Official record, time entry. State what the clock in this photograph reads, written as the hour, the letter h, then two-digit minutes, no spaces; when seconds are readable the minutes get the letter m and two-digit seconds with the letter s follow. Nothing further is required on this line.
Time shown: 2h49
